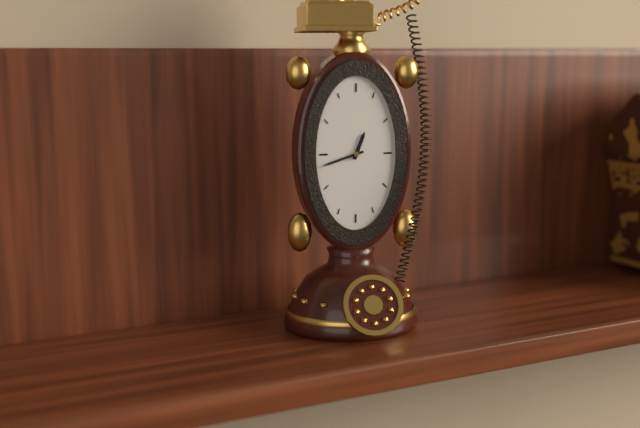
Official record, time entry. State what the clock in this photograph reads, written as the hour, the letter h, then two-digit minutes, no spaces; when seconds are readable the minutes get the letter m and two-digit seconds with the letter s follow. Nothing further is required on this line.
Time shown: 12h42
